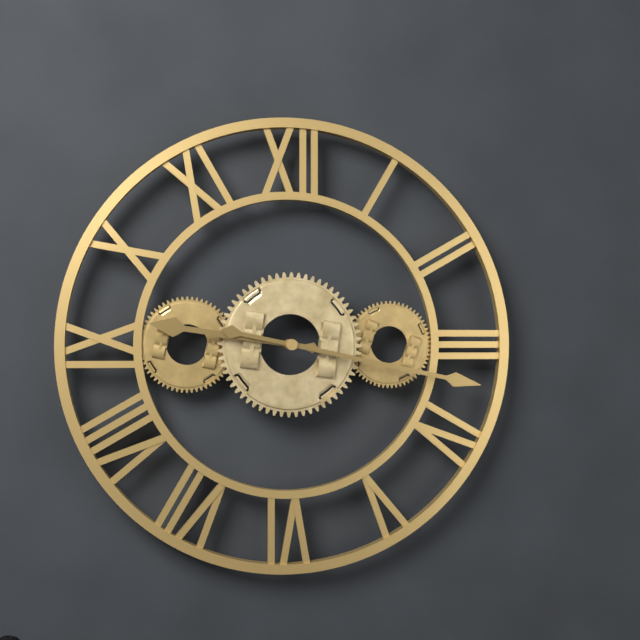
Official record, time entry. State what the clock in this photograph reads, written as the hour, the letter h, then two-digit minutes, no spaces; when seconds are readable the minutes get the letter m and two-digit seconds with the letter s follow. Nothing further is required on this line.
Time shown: 9h17
